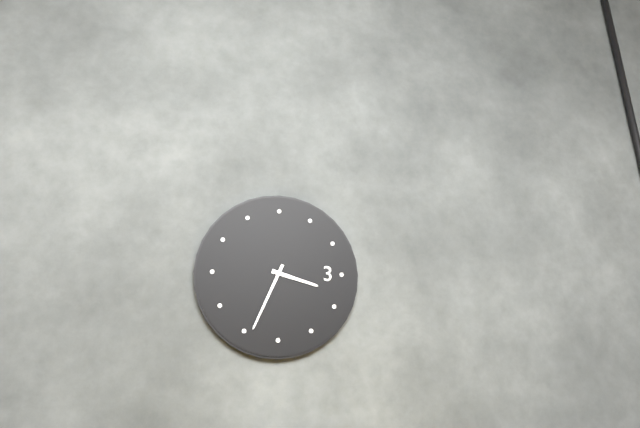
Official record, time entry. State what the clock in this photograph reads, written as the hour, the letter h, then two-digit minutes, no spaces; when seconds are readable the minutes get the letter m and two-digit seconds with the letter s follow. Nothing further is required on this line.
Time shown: 3h34
